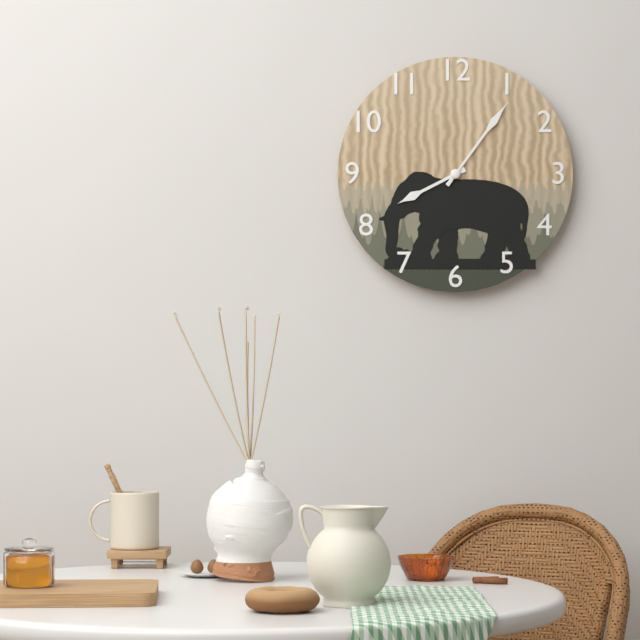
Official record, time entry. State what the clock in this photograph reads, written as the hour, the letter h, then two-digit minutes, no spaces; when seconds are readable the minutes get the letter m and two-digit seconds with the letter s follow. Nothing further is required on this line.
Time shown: 8h06
